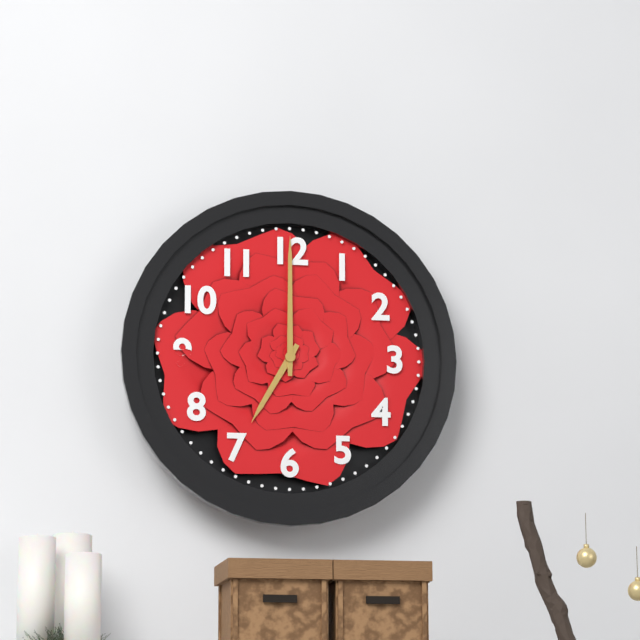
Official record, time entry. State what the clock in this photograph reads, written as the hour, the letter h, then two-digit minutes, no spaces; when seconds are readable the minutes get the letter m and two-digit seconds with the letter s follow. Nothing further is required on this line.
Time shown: 7h00
